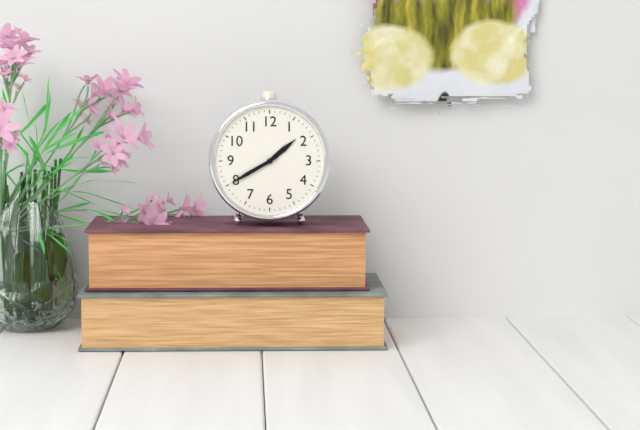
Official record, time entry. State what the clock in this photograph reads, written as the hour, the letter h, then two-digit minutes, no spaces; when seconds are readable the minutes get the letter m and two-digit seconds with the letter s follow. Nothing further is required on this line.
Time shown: 1h40
